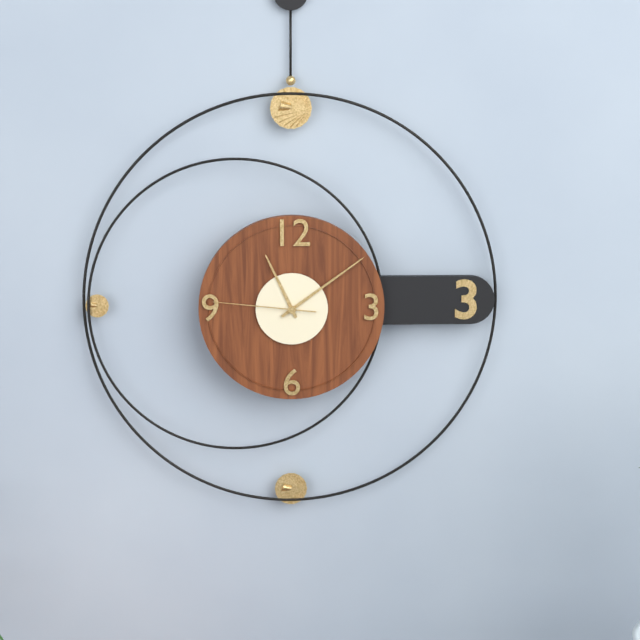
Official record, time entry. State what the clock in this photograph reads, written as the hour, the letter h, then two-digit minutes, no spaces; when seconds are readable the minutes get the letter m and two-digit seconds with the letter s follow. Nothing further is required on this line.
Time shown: 11h09m46s
